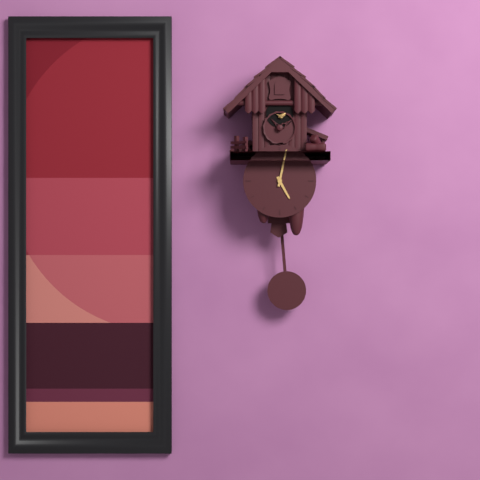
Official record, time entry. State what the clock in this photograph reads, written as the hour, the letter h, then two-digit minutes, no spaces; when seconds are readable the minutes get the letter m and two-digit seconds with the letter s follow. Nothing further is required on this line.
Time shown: 5h02
